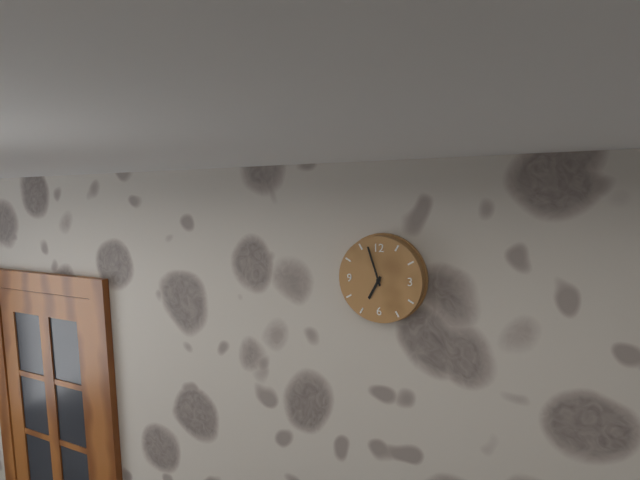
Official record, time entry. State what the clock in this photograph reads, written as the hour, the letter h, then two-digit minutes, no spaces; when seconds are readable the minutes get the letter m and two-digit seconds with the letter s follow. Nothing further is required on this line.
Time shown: 6h57
